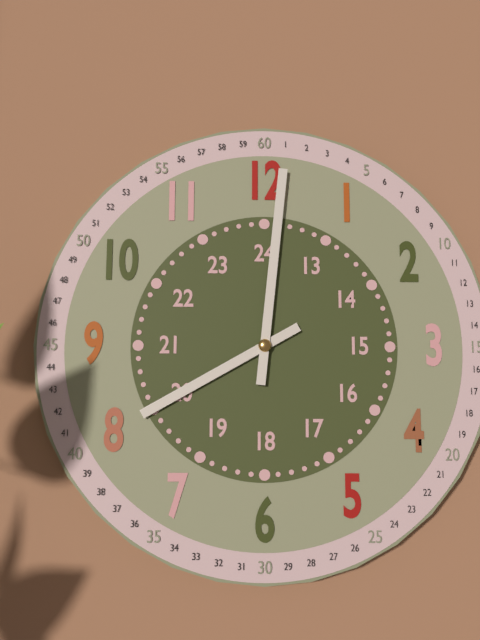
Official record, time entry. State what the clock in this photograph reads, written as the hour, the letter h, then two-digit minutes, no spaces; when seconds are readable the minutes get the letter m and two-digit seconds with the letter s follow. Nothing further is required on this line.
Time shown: 8h01
